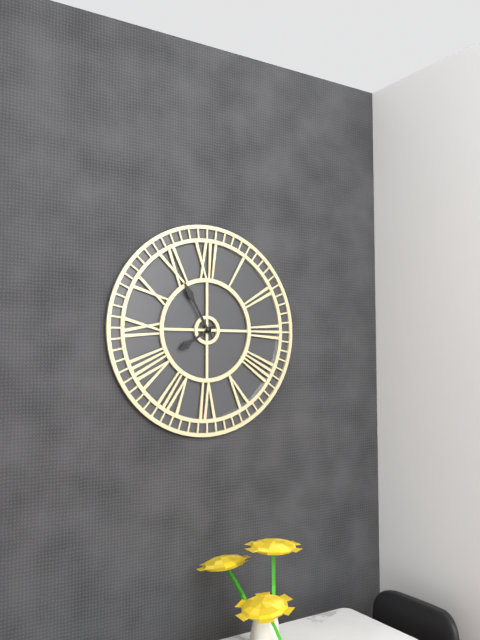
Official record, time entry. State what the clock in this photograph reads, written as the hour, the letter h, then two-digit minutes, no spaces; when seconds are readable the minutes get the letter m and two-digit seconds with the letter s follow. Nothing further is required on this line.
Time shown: 7h55
